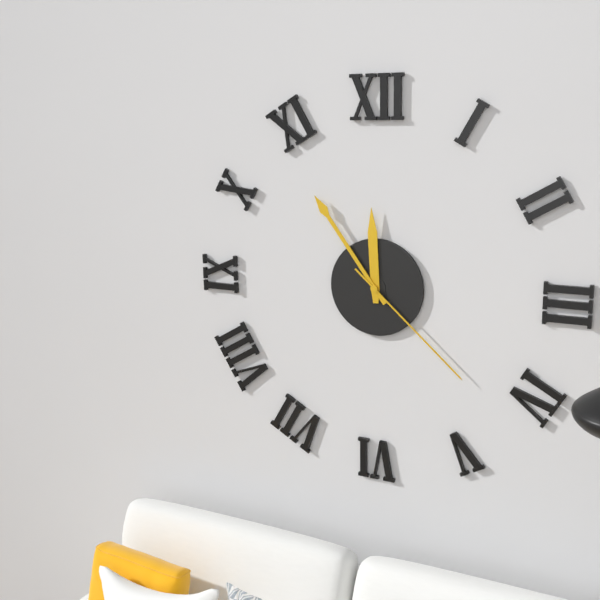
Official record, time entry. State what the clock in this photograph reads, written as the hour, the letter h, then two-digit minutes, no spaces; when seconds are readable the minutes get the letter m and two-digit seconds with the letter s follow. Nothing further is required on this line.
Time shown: 11h54m22s
